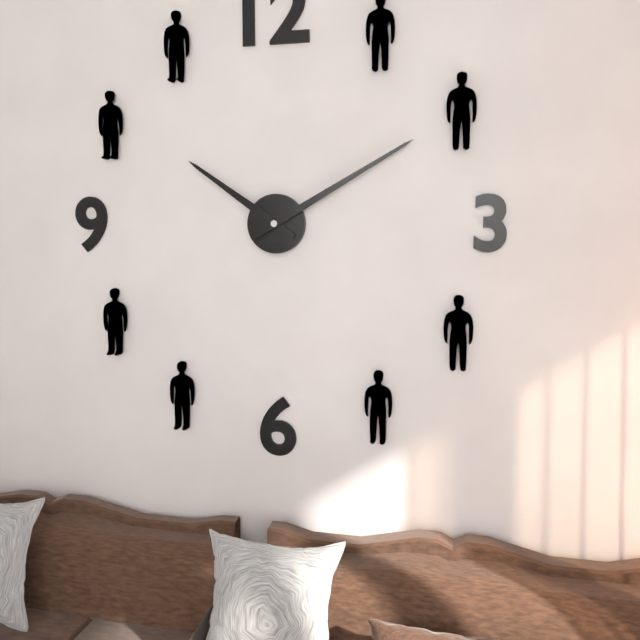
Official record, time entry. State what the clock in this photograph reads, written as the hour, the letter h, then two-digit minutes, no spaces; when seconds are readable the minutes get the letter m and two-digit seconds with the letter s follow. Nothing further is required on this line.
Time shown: 10h10
